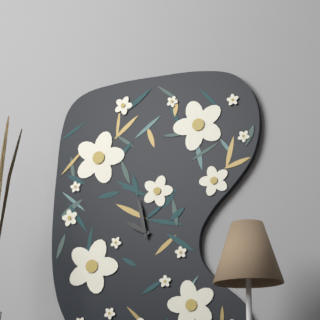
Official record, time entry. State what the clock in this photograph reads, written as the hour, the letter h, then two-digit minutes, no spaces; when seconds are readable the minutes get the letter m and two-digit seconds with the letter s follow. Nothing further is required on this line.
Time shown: 9h58
